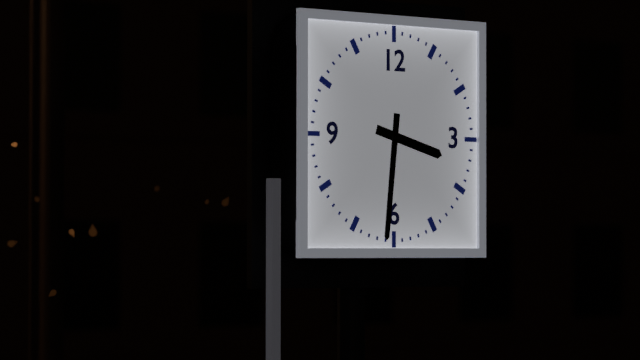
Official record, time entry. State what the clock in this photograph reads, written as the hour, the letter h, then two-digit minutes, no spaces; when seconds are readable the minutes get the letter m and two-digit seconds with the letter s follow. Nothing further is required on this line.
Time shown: 3h31
